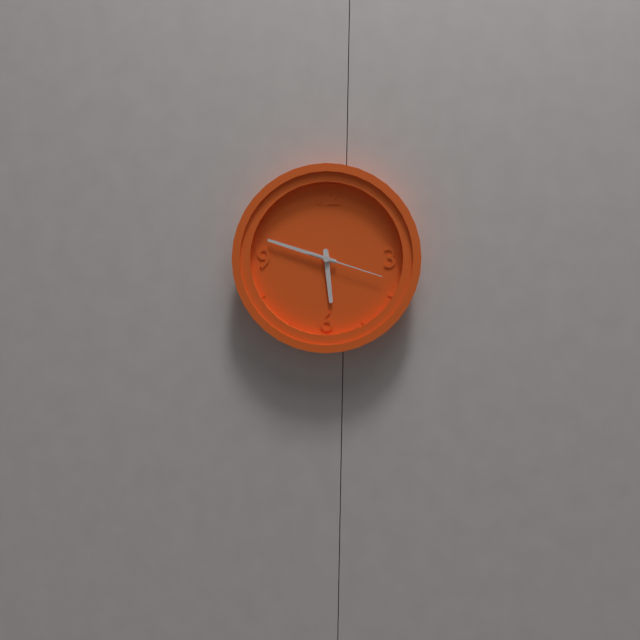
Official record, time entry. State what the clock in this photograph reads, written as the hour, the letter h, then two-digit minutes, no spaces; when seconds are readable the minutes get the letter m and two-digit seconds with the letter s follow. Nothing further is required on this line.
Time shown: 5h48m18s
